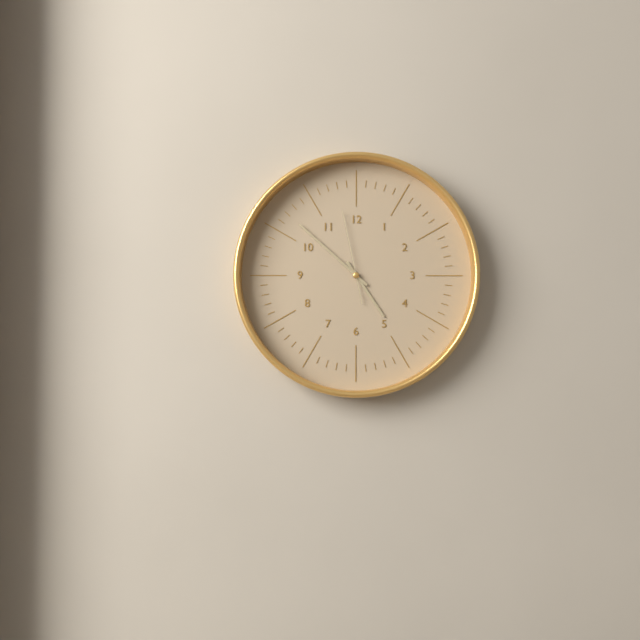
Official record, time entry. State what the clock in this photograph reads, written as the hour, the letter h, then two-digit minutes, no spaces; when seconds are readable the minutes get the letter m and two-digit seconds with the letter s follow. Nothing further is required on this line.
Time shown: 4h52m58s
